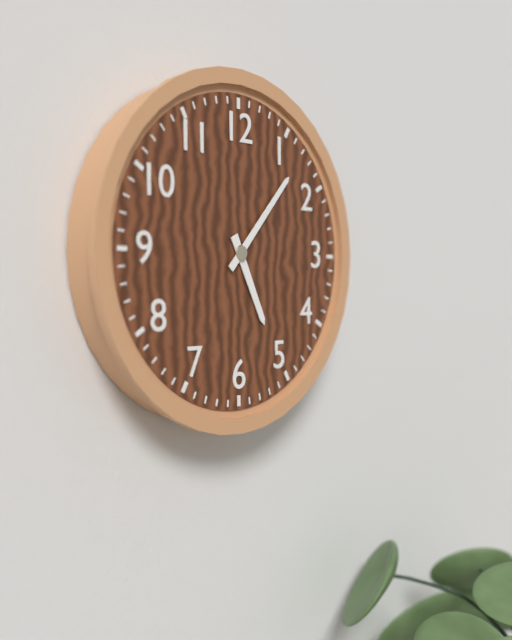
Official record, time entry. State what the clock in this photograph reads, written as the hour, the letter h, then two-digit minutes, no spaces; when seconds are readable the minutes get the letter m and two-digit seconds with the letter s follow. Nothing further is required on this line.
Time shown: 5h07
